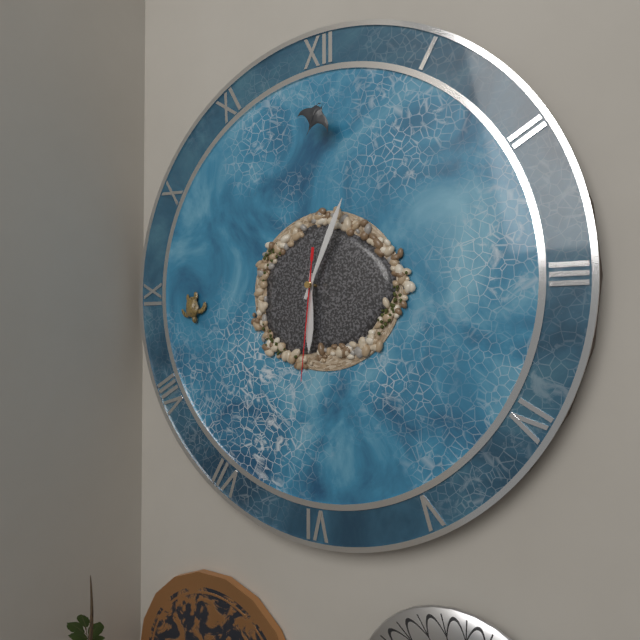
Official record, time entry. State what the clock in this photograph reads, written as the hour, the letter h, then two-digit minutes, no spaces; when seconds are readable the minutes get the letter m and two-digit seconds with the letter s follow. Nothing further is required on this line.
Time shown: 6h04m31s
